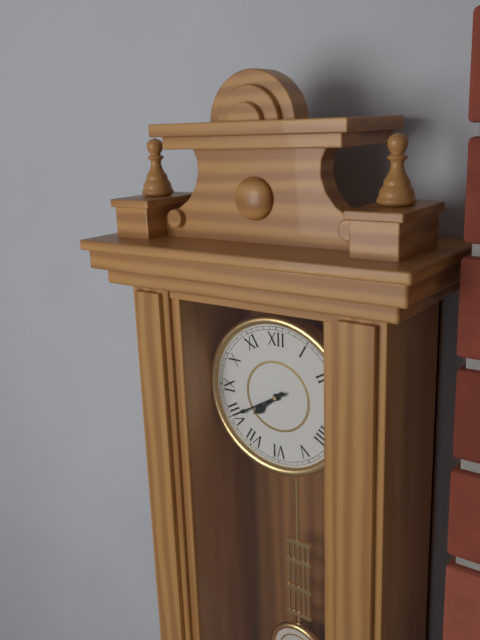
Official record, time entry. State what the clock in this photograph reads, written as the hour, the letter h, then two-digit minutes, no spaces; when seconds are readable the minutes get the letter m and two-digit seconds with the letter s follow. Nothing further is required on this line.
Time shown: 7h40
